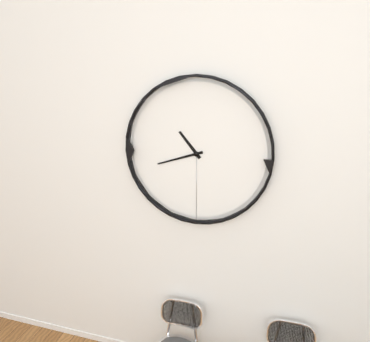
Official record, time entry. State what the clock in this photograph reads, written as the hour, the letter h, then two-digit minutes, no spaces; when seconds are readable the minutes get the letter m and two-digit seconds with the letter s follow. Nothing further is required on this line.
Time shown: 10h42
